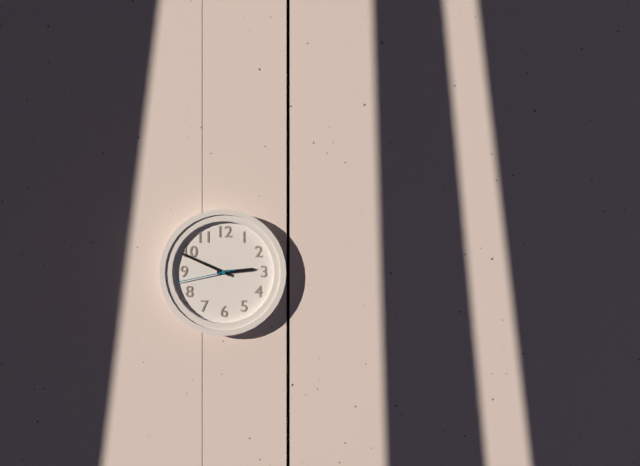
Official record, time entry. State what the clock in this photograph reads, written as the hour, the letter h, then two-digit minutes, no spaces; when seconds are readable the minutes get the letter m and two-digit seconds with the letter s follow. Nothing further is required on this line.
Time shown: 2h49m43s
